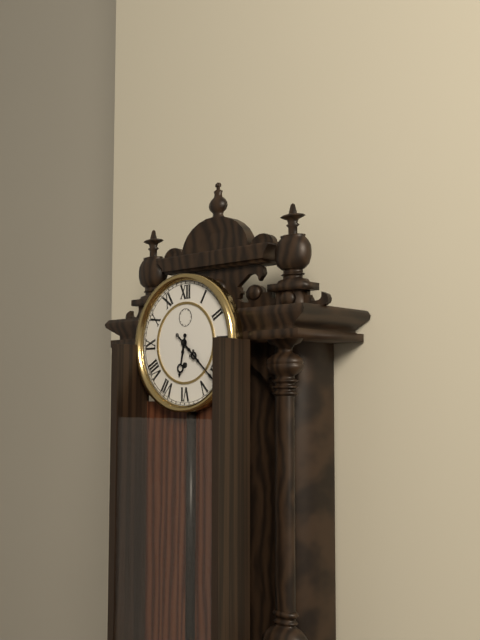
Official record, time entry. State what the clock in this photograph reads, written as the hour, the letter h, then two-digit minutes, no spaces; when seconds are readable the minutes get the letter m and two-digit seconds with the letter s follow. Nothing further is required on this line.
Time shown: 6h22
